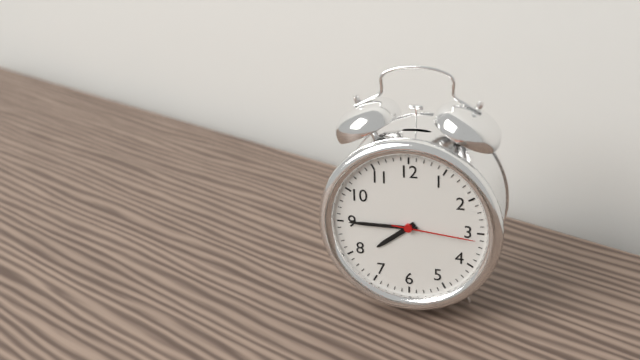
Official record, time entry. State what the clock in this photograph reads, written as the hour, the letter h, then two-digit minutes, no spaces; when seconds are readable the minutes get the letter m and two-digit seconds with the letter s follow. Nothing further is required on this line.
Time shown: 7h45m16s
